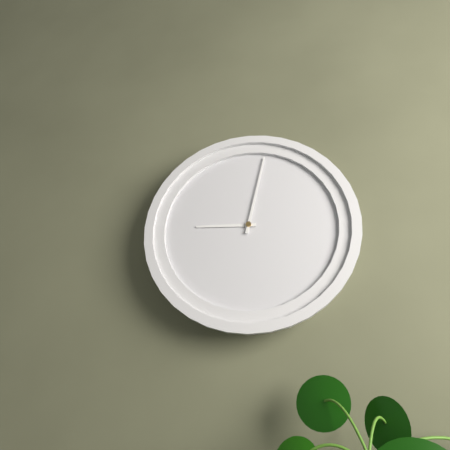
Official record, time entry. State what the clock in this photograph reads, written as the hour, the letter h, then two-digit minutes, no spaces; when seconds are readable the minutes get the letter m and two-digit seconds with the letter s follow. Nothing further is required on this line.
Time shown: 9h02
